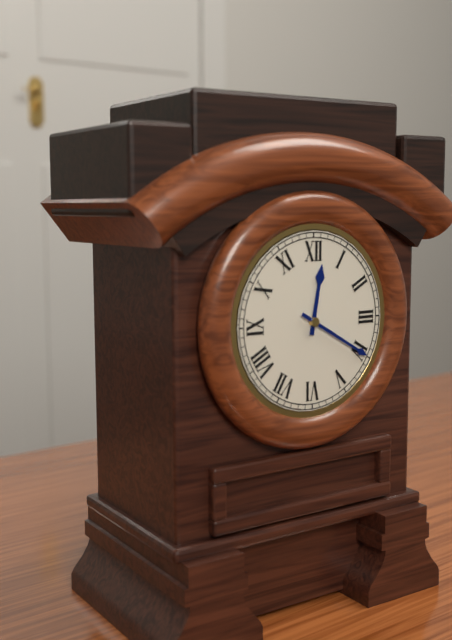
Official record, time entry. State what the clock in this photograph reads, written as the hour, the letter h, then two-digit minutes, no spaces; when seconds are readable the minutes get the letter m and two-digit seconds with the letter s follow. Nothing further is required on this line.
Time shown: 12h20
